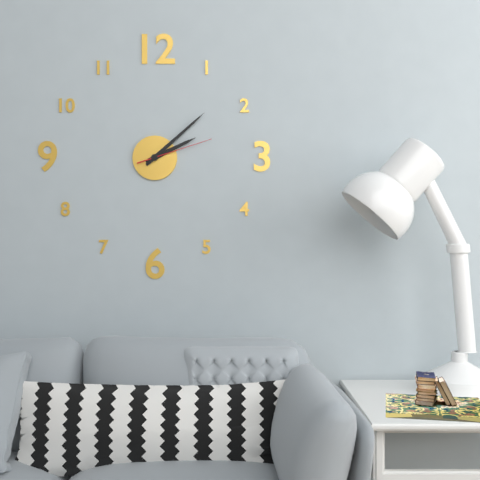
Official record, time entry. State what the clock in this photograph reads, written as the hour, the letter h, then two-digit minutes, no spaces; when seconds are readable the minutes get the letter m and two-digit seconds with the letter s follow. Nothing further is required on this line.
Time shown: 2h08m12s
